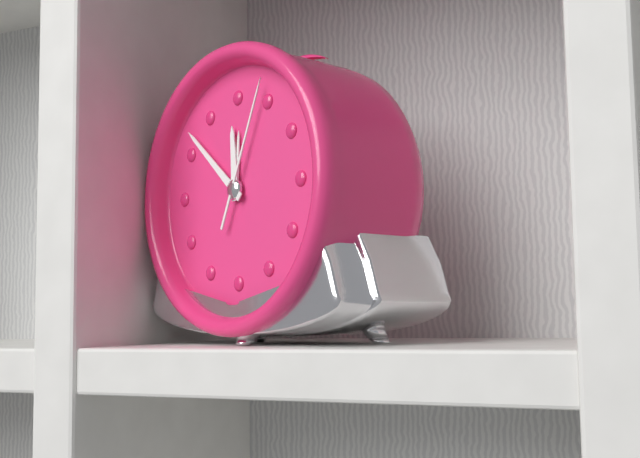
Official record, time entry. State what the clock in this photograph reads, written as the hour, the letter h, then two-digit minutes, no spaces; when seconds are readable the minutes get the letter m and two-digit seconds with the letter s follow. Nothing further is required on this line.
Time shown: 11h52m04s
